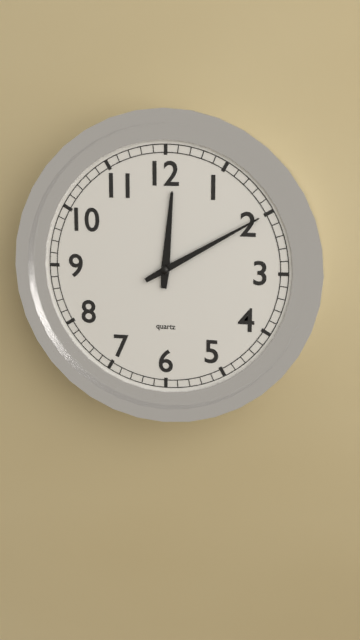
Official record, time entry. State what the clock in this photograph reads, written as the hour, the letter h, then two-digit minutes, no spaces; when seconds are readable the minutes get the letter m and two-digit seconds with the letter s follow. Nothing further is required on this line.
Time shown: 12h10
